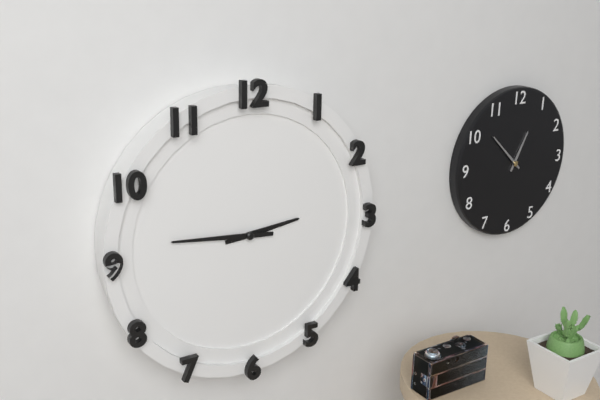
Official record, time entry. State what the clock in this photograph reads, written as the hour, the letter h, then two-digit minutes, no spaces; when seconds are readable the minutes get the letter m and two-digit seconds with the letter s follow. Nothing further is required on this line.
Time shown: 2h46
